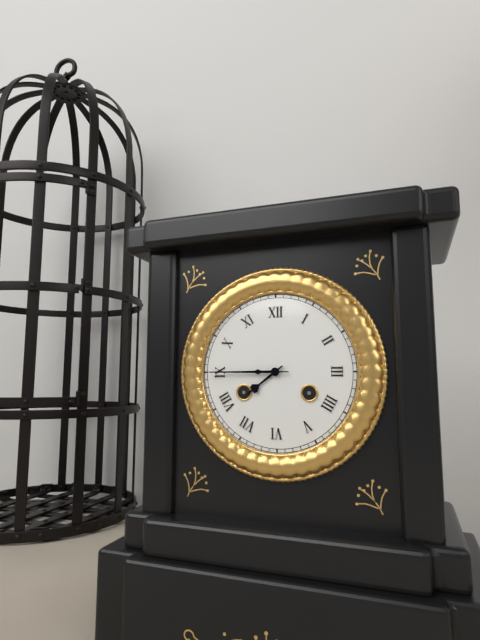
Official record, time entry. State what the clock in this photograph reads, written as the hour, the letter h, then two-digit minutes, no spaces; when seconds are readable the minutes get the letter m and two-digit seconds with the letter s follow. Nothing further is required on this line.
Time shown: 7h45
